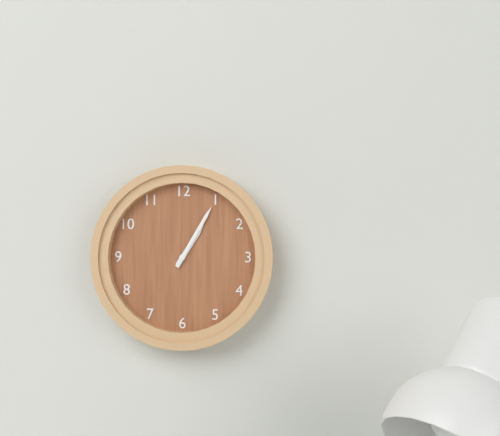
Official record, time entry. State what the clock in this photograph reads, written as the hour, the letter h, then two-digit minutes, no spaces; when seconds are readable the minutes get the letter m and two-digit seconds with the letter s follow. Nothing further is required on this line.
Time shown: 1h05
